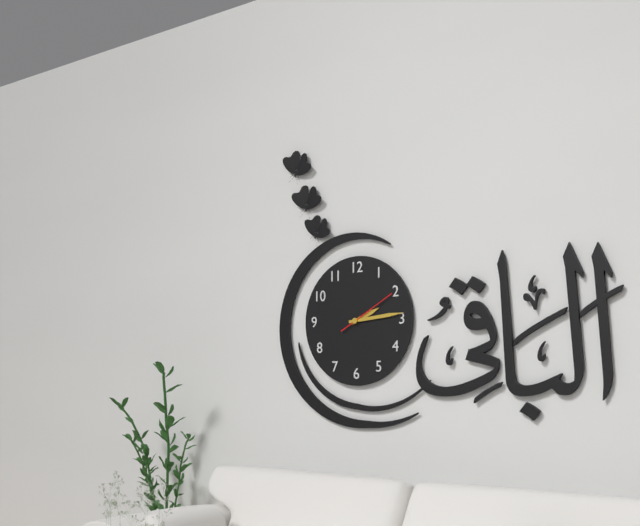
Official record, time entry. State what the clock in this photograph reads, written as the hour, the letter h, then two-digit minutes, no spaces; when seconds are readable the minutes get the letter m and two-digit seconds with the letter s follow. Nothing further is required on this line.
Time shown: 2h14m10s
